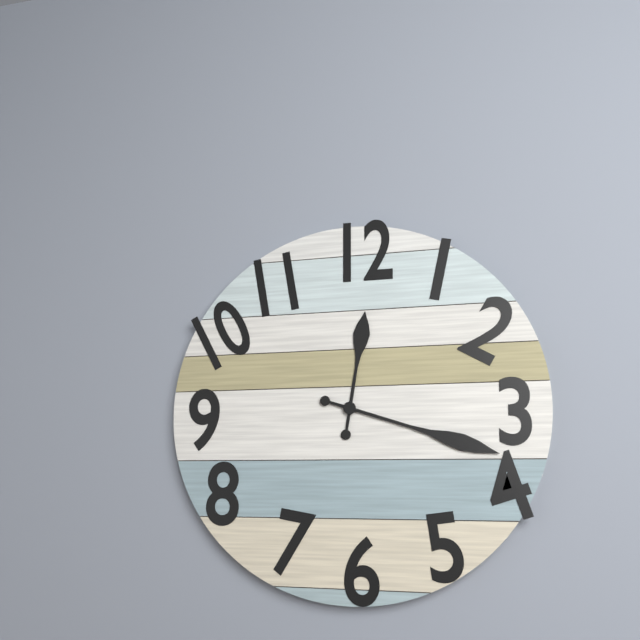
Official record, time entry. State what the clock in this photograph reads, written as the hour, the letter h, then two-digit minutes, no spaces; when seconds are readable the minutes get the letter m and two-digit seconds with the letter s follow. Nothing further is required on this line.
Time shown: 12h18
